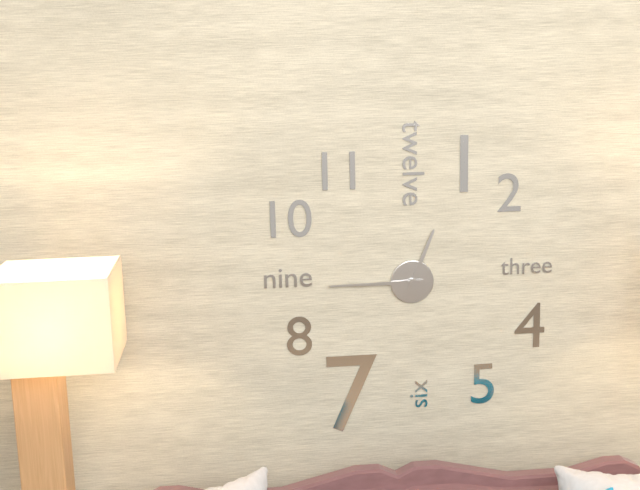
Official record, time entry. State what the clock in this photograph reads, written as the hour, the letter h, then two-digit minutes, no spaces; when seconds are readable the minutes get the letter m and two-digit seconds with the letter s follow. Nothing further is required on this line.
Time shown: 12h45
